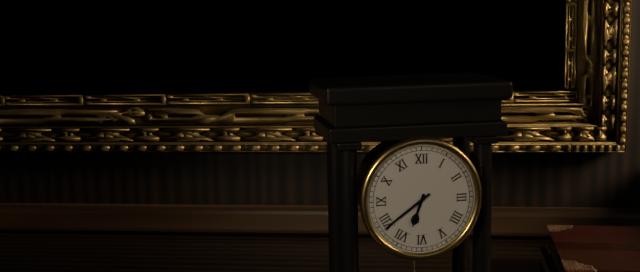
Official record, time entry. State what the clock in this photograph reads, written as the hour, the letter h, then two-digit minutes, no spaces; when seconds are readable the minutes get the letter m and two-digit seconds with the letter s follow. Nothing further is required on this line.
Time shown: 6h39
